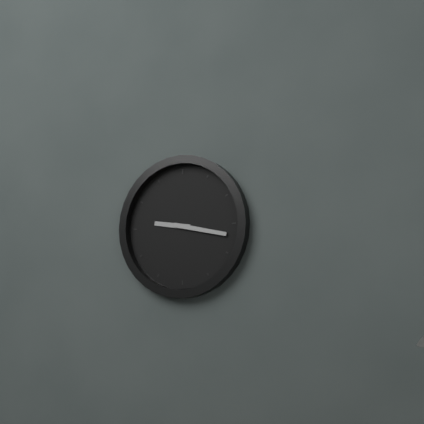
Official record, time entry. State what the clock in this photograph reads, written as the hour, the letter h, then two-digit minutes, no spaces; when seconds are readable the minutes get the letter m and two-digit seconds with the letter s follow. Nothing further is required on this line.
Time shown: 9h17
